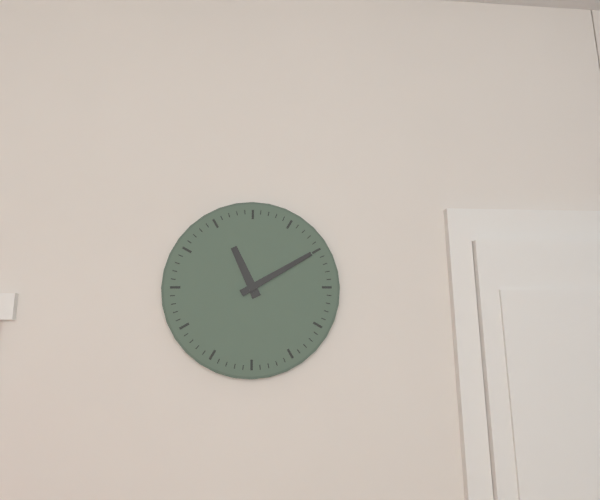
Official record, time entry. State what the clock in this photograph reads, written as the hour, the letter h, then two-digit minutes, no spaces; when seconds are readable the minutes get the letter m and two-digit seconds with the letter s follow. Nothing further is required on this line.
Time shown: 11h10
